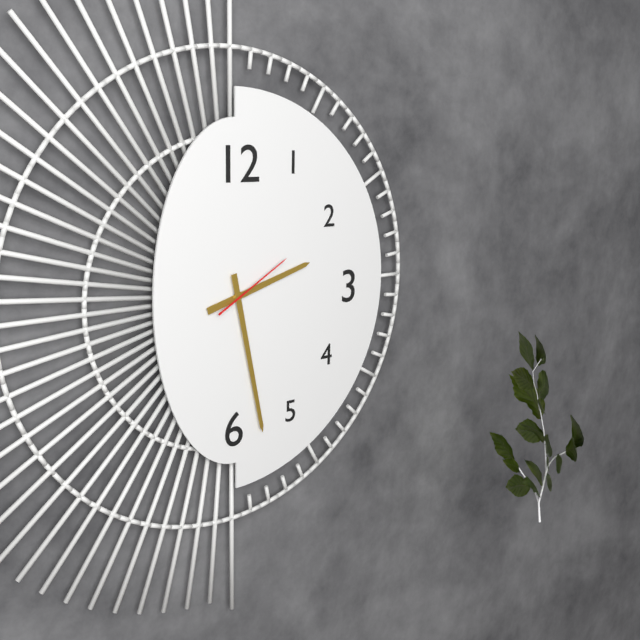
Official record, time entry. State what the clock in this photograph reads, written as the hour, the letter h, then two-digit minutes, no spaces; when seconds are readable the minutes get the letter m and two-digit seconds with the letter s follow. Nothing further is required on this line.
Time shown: 2h28m10s
